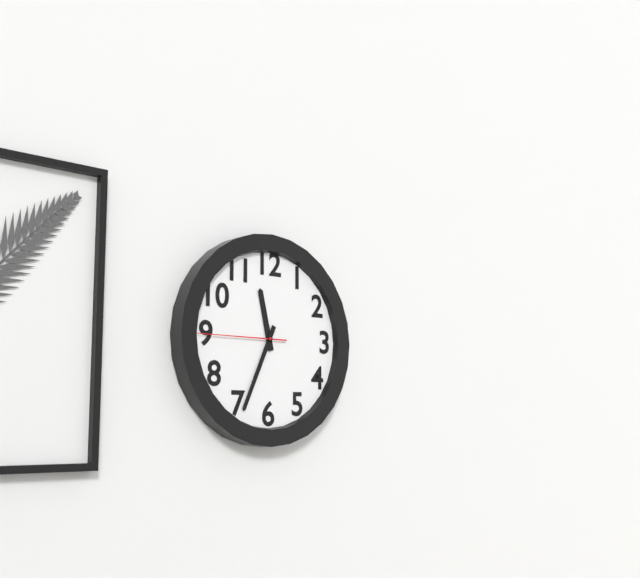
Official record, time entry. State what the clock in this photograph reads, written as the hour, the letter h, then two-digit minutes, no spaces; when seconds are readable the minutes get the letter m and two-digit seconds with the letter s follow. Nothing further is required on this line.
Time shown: 11h34m45s
